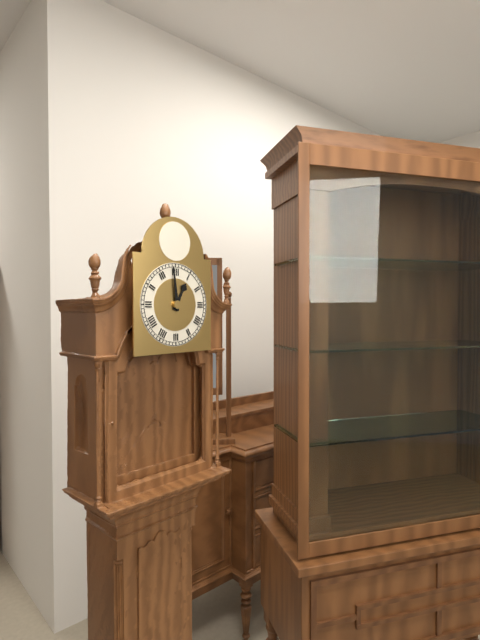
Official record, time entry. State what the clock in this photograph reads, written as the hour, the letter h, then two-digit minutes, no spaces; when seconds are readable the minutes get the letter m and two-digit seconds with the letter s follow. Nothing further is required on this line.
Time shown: 12h59
